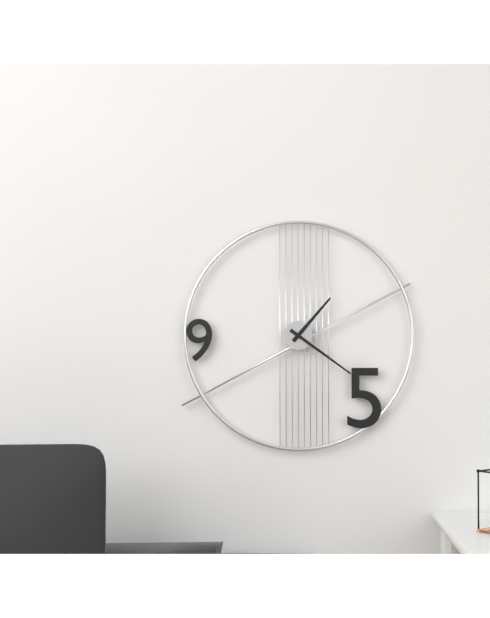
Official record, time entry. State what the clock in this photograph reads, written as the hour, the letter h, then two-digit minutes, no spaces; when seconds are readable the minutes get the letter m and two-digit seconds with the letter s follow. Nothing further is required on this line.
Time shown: 1h21
